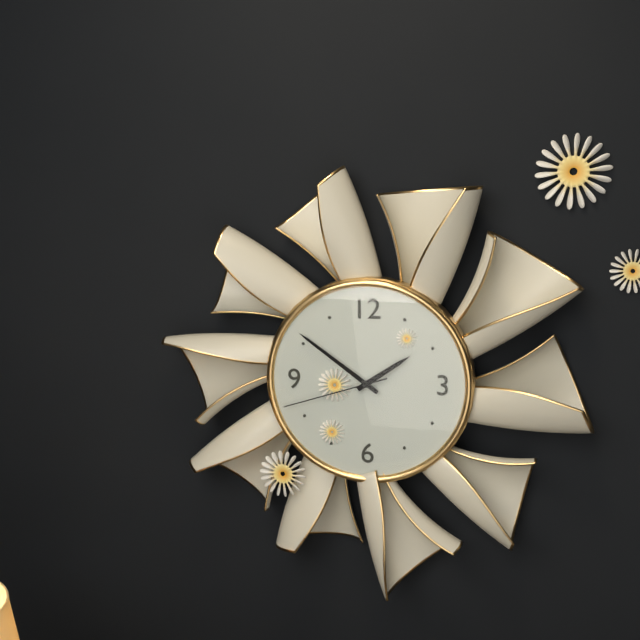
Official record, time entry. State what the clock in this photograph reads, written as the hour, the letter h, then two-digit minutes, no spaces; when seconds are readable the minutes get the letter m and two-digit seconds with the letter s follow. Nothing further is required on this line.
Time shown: 1h51m42s
